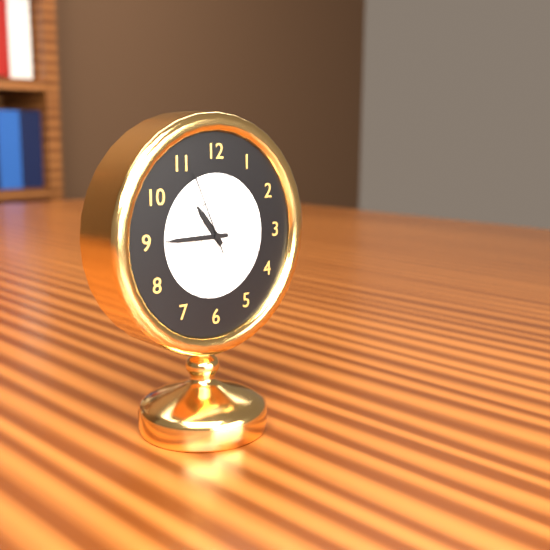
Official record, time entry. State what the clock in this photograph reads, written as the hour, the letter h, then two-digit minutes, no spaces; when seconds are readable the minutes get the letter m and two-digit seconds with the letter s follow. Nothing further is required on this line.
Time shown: 10h45m56s
